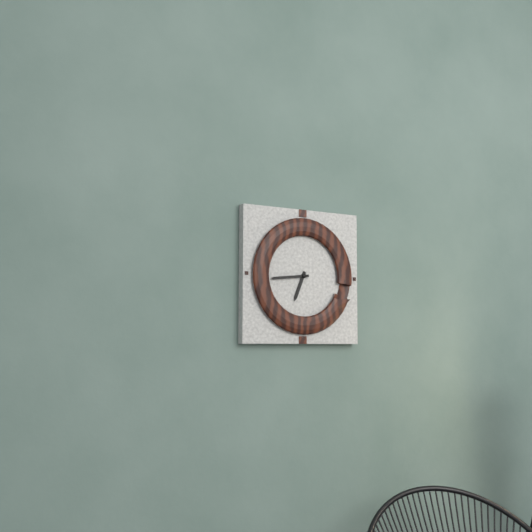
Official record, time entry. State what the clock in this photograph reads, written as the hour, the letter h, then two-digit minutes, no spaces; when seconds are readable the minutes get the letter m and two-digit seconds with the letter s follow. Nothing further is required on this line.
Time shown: 6h44
